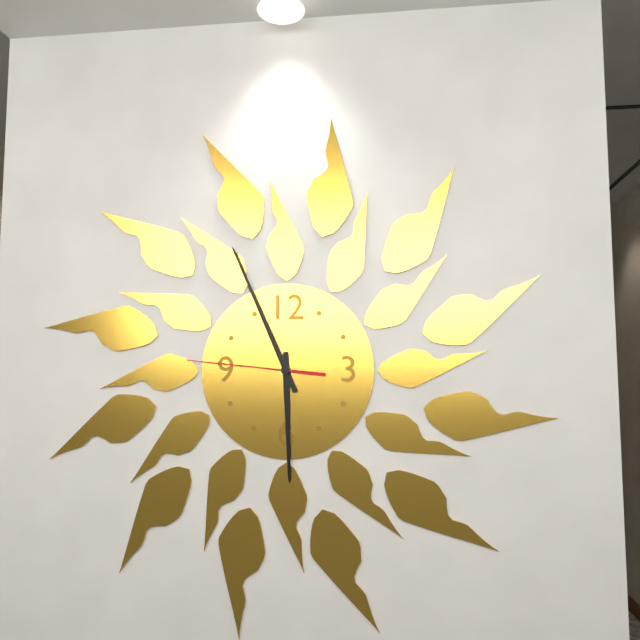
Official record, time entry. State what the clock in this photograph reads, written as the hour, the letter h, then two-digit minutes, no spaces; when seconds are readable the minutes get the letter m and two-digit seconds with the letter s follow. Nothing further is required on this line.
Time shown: 5h56m46s
